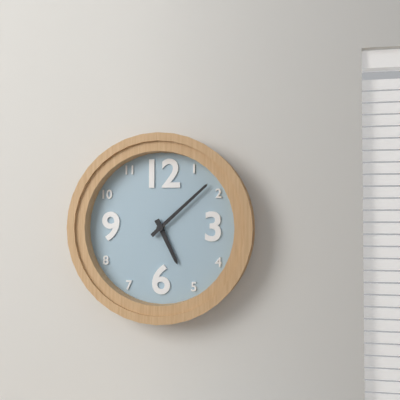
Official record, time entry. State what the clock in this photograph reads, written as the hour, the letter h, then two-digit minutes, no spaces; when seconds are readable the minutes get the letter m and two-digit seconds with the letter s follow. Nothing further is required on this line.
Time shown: 5h08
